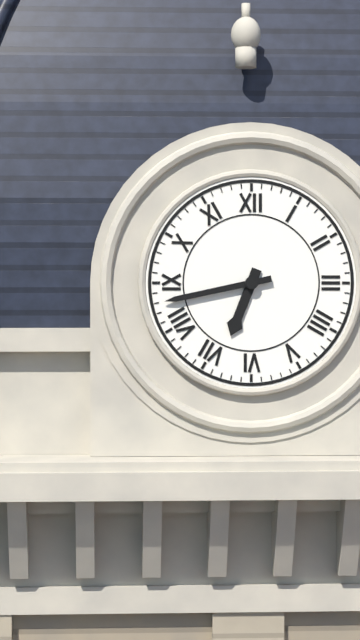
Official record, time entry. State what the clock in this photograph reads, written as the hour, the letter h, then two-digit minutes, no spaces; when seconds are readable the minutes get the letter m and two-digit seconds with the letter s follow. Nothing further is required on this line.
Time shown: 6h43
